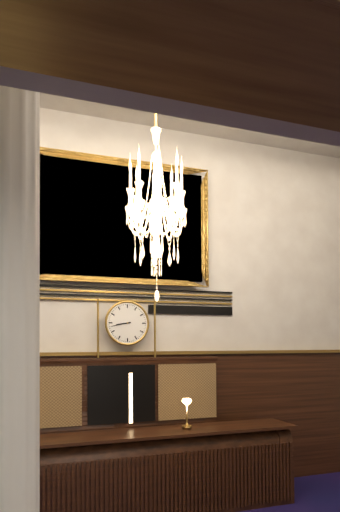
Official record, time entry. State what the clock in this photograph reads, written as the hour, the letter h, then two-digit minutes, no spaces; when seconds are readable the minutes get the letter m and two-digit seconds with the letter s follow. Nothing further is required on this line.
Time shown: 8h43
